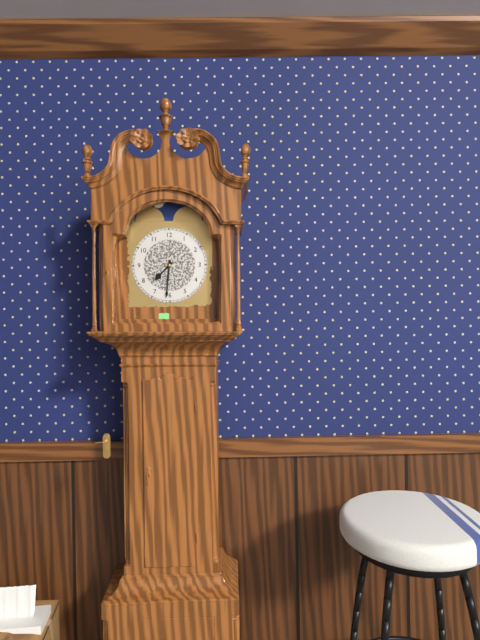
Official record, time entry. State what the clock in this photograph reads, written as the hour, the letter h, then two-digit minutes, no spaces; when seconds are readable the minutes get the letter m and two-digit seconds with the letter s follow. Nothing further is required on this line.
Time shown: 7h31
